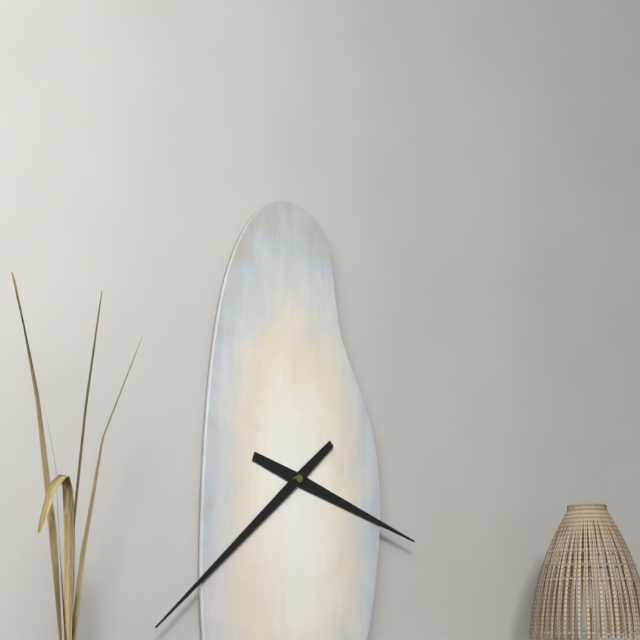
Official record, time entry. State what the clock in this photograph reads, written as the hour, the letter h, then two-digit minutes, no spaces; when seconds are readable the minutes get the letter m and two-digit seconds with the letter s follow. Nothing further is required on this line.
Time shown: 3h38
